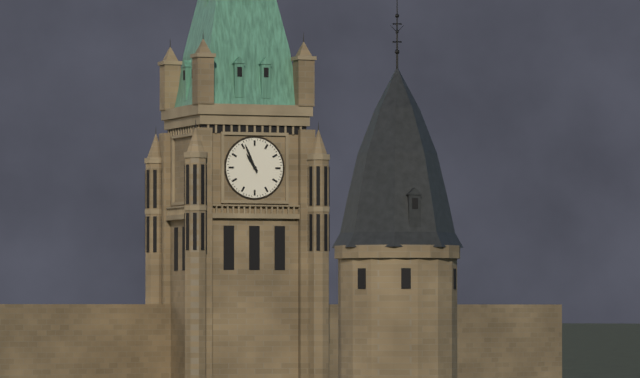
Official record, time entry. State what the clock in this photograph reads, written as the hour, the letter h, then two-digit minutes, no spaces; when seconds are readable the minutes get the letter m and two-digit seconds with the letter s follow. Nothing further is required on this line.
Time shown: 10h56
